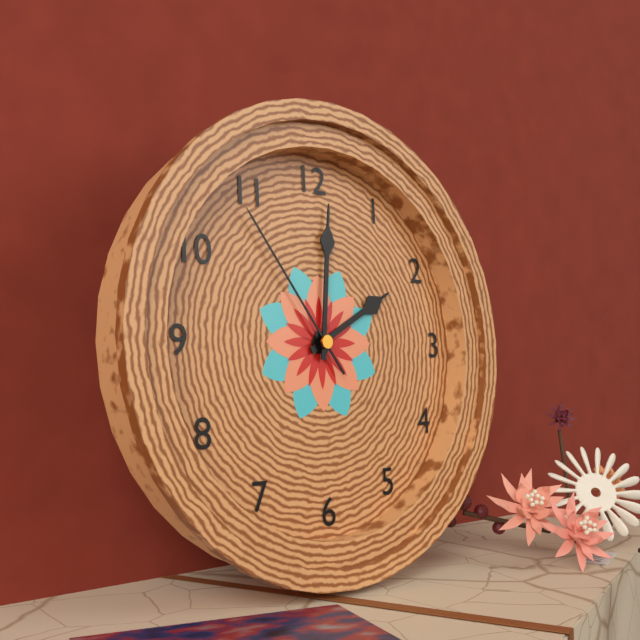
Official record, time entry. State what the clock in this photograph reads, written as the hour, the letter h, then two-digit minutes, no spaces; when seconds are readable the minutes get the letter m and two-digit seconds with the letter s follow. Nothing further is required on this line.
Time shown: 2h01m54s
